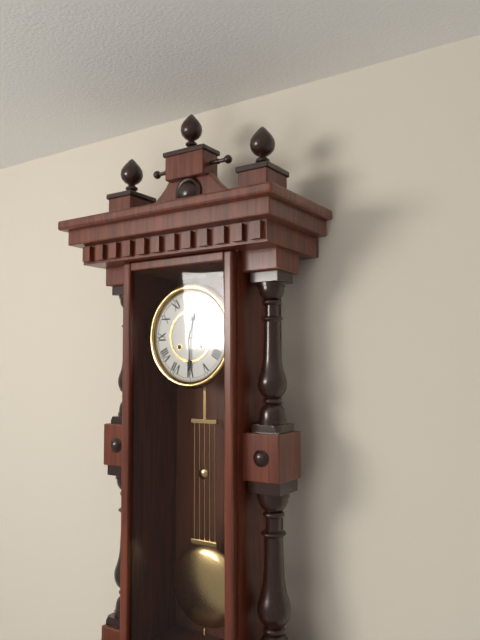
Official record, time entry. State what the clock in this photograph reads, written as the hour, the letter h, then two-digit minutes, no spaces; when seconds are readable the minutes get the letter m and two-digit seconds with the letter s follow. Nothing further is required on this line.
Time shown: 12h30
